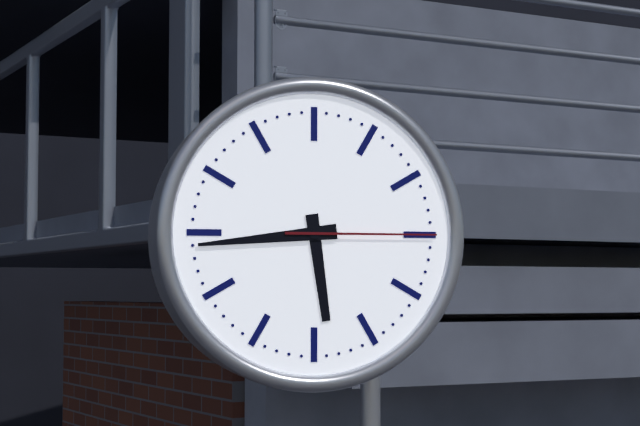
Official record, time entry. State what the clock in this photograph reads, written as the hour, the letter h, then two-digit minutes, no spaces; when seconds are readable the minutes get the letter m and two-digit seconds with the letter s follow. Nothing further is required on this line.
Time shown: 5h44m15s
